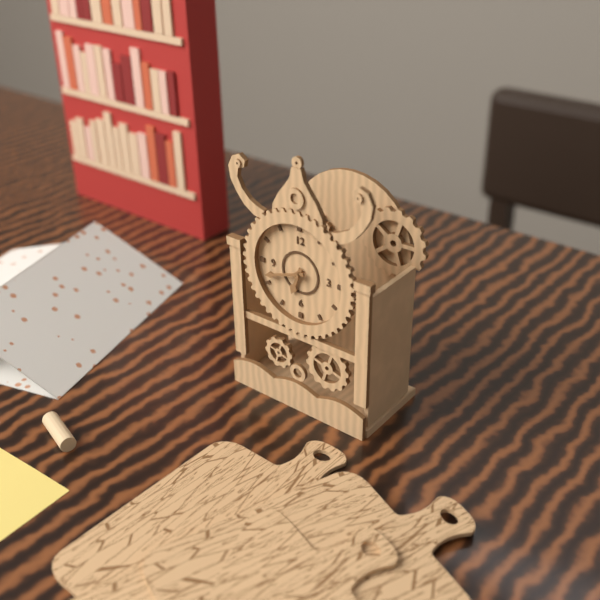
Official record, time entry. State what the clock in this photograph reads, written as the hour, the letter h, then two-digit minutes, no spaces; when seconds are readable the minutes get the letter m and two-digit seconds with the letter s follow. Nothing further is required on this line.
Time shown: 6h42
